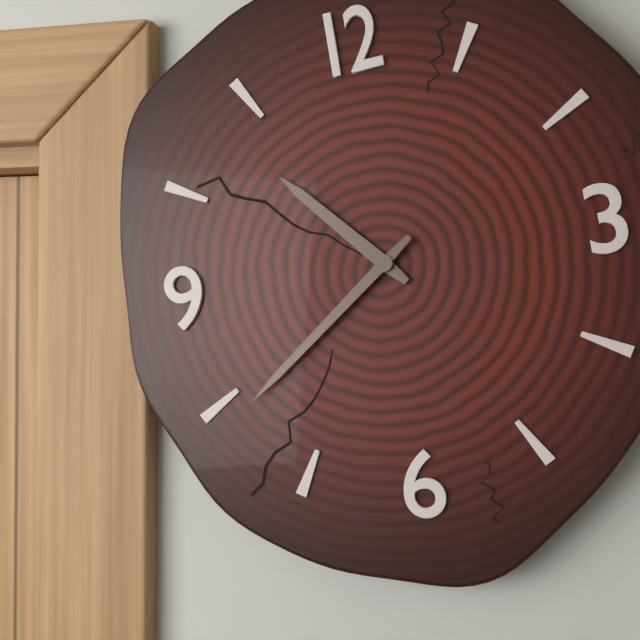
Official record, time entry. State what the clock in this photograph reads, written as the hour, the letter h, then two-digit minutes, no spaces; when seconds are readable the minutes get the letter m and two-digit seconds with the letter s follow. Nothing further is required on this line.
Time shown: 10h39
